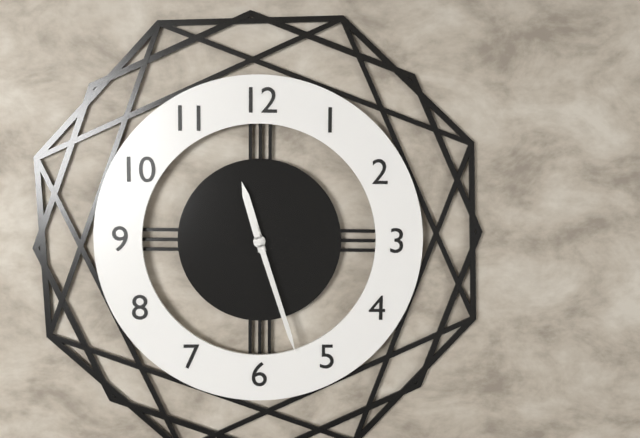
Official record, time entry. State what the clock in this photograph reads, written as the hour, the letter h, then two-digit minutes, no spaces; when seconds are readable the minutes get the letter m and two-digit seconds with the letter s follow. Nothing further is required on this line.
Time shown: 11h27
